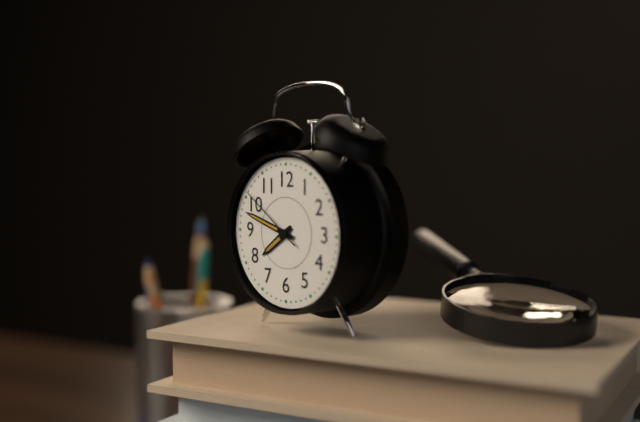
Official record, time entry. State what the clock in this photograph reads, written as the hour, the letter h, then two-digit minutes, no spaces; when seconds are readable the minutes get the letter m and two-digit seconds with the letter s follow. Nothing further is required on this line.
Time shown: 7h48m51s
